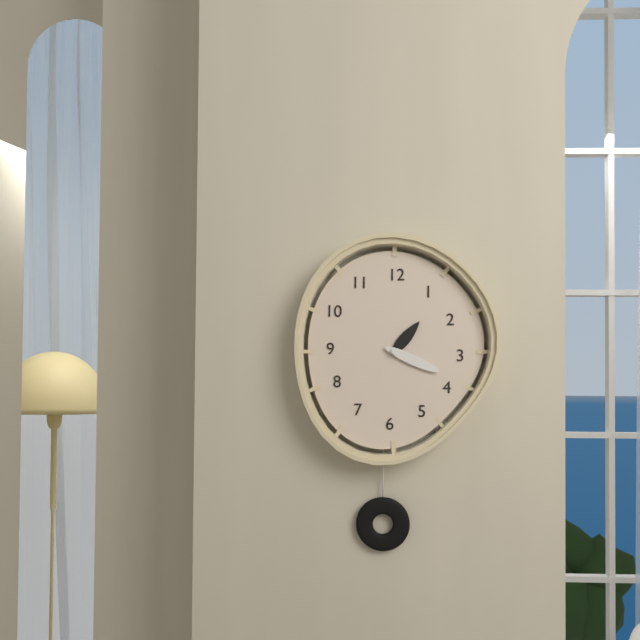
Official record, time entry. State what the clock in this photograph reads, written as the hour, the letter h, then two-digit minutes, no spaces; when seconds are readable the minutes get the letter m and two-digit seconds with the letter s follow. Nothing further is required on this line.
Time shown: 1h19
